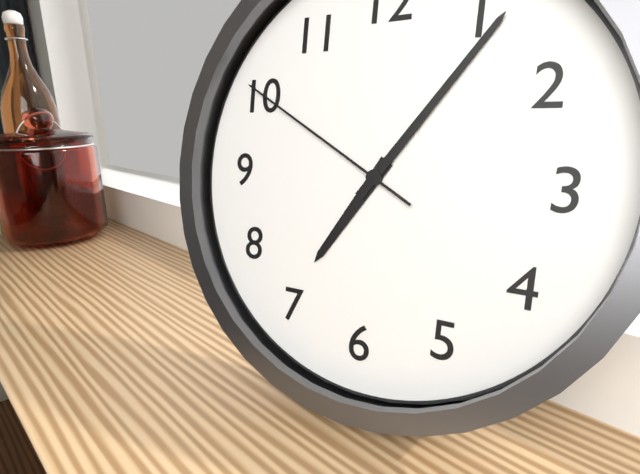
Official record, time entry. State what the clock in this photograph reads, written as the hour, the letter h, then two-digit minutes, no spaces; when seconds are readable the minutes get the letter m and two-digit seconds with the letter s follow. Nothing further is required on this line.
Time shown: 7h06m50s
